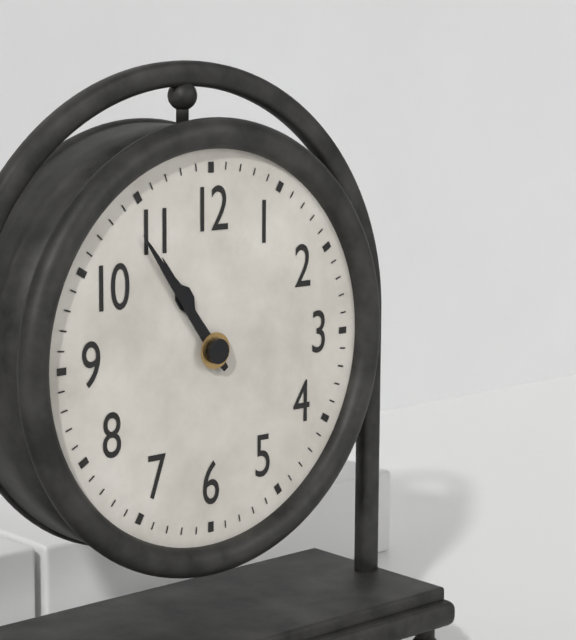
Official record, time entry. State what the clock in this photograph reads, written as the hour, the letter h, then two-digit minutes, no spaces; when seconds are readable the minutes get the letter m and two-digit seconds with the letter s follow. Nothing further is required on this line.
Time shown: 10h54
